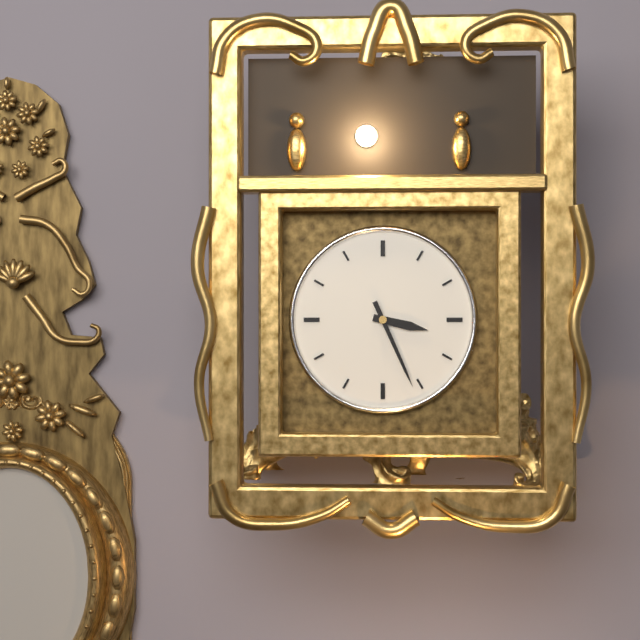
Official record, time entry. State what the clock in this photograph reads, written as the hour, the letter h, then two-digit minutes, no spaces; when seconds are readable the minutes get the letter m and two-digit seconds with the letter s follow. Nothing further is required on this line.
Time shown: 3h26
